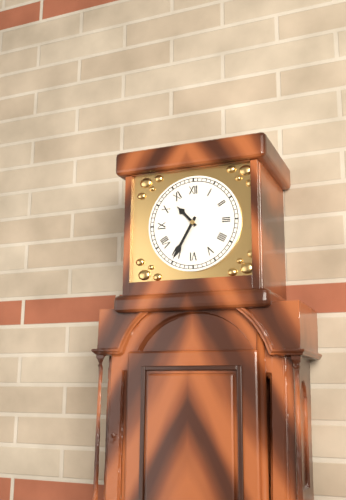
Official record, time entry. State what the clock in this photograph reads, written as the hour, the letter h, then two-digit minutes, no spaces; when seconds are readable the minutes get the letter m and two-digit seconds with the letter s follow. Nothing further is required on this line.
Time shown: 10h35
